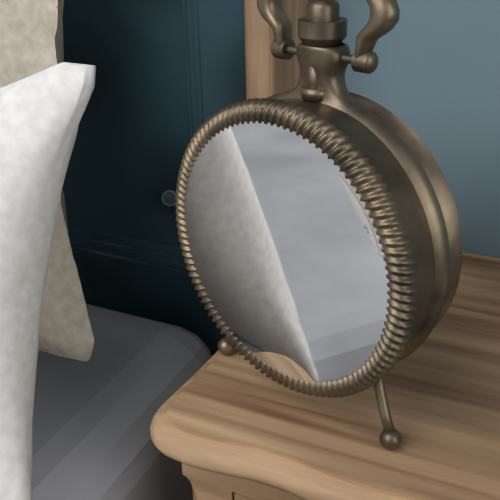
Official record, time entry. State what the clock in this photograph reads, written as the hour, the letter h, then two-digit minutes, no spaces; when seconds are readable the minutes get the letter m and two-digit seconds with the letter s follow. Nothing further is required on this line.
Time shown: 12h50
